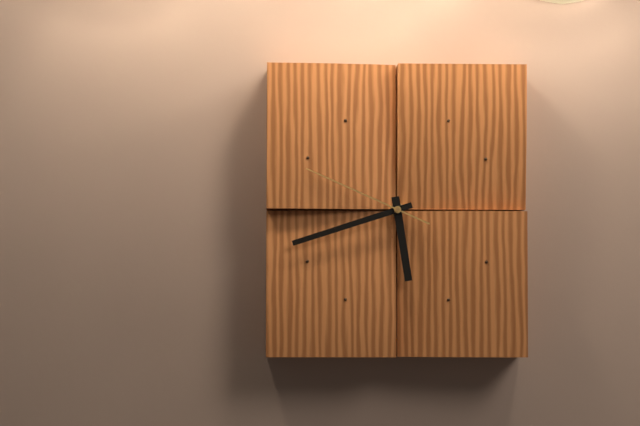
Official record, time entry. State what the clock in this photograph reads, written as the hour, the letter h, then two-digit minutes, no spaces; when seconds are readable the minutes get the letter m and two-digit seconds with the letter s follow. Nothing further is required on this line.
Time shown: 5h42m49s
